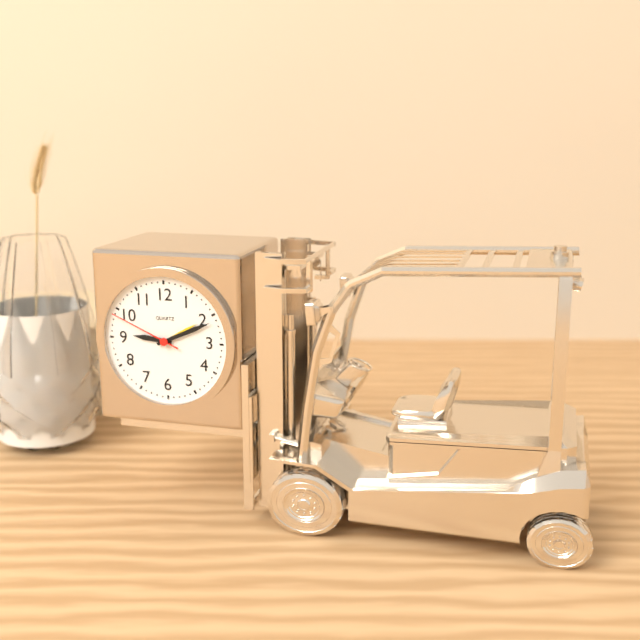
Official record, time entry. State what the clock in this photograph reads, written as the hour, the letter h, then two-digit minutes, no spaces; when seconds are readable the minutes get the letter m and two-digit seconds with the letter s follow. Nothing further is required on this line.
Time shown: 9h11m49s
